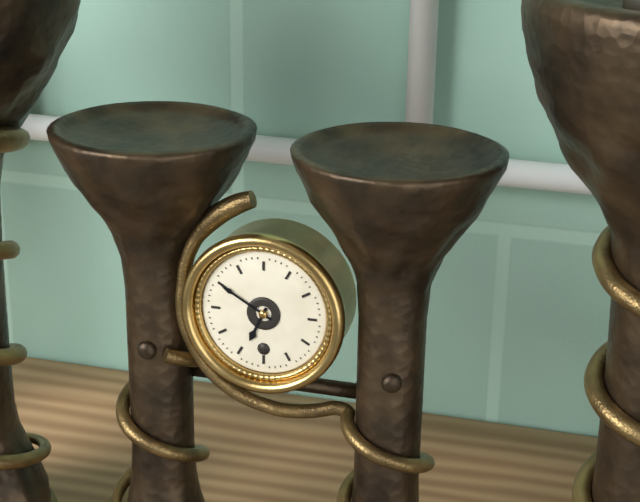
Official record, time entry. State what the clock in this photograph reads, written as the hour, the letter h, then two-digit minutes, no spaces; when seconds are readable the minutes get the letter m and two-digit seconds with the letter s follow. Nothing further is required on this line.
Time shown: 6h50
